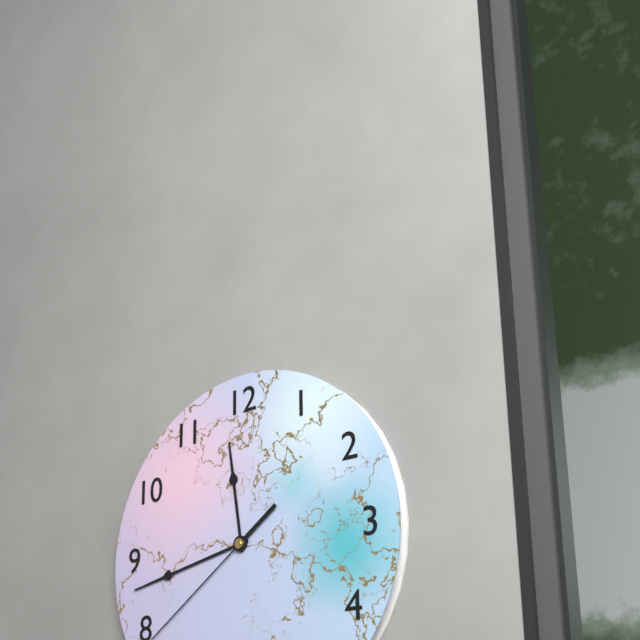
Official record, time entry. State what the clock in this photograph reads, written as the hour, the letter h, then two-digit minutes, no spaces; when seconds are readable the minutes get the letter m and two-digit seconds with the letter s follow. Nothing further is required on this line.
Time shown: 11h43m39s
